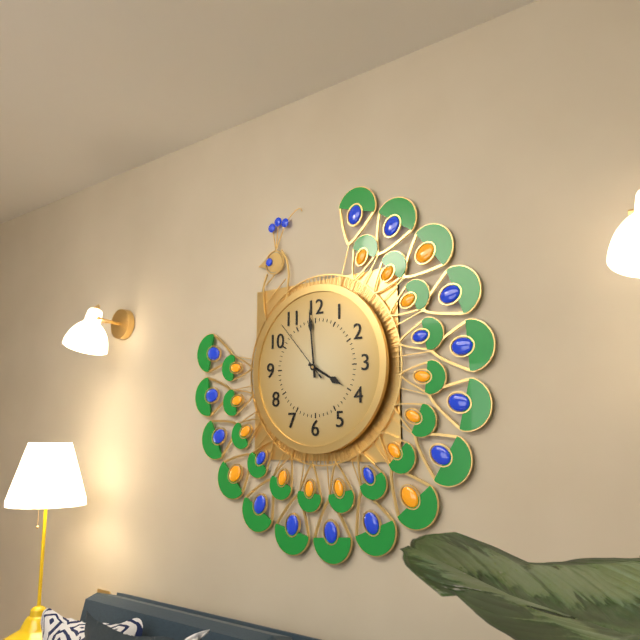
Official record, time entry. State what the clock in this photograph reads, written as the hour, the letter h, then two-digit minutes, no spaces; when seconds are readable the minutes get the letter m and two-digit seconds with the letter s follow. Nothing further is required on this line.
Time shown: 3h59m53s
